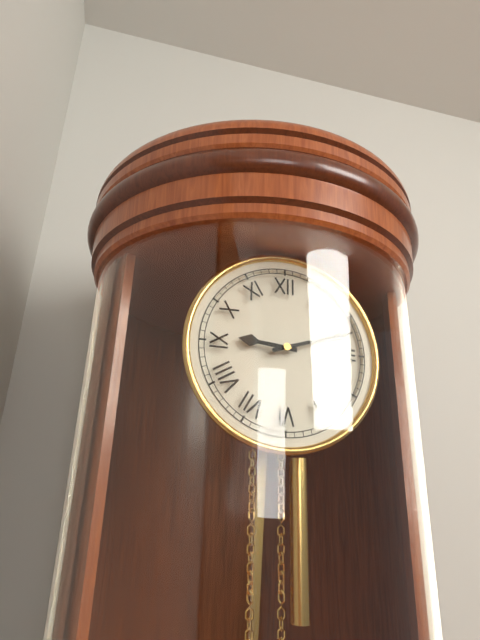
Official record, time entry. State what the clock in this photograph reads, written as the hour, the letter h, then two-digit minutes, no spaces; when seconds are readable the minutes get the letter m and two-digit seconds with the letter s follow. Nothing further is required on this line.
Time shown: 9h12
